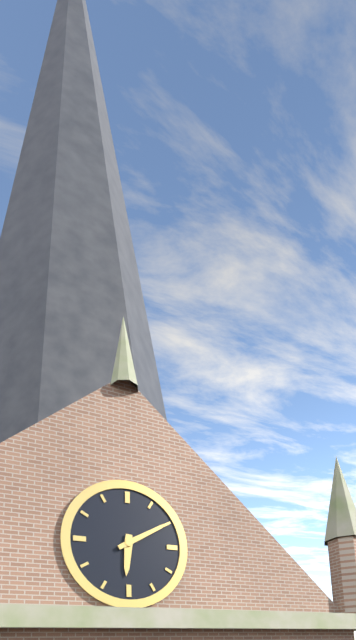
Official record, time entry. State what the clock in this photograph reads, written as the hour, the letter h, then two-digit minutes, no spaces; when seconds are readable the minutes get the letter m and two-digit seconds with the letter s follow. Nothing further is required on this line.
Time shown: 6h10
